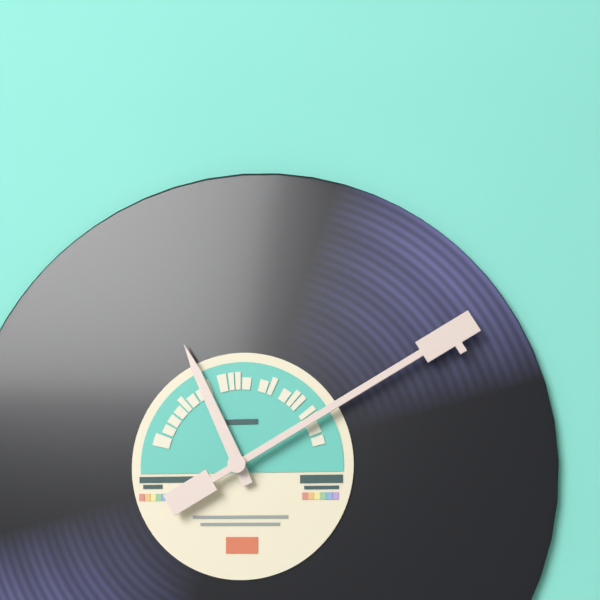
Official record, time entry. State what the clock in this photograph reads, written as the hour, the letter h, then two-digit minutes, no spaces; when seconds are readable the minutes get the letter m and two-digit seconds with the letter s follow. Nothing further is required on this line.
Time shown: 11h10
